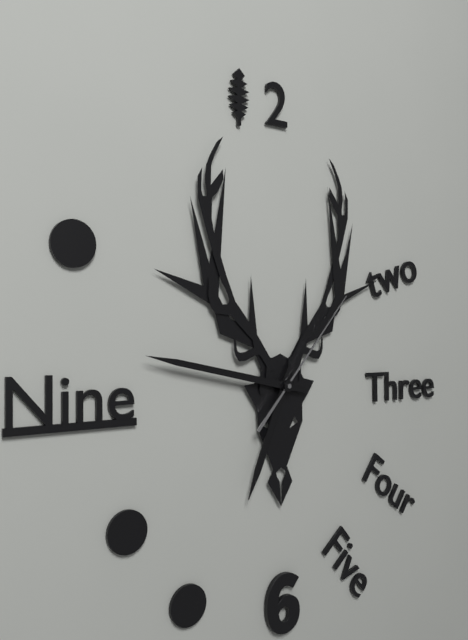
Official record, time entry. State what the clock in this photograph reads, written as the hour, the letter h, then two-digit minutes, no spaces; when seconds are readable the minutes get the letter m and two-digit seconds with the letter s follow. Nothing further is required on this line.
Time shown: 6h47m07s
